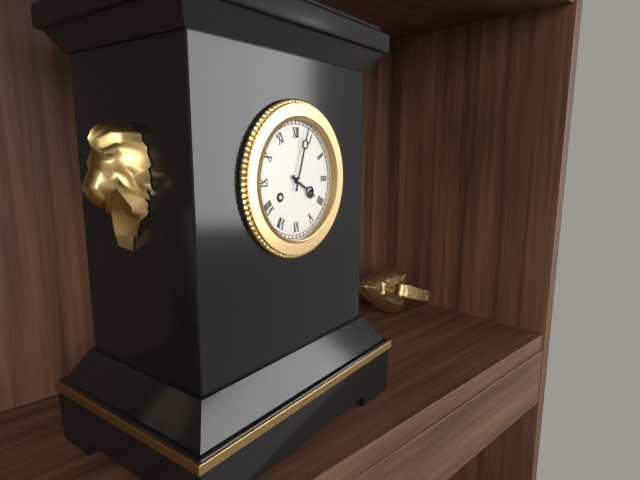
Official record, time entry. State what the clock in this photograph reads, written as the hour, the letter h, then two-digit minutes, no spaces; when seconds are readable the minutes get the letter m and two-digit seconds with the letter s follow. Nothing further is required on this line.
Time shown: 4h03
